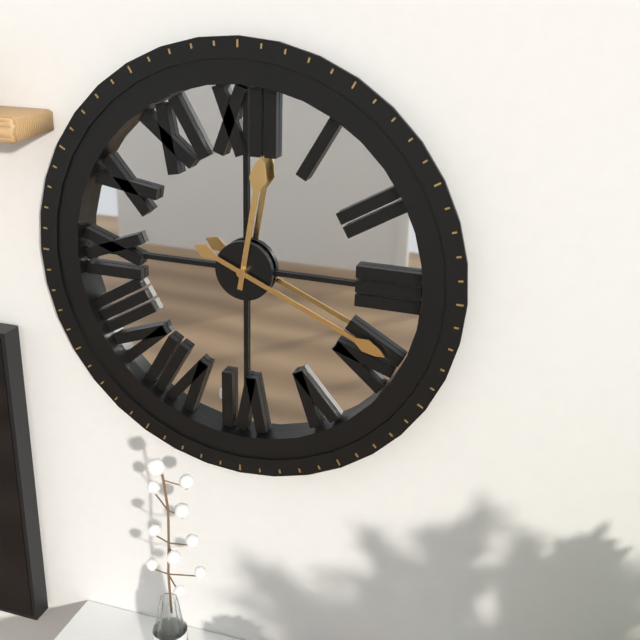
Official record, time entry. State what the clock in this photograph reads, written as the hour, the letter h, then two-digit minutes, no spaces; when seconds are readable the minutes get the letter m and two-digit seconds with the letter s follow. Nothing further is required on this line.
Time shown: 12h19
